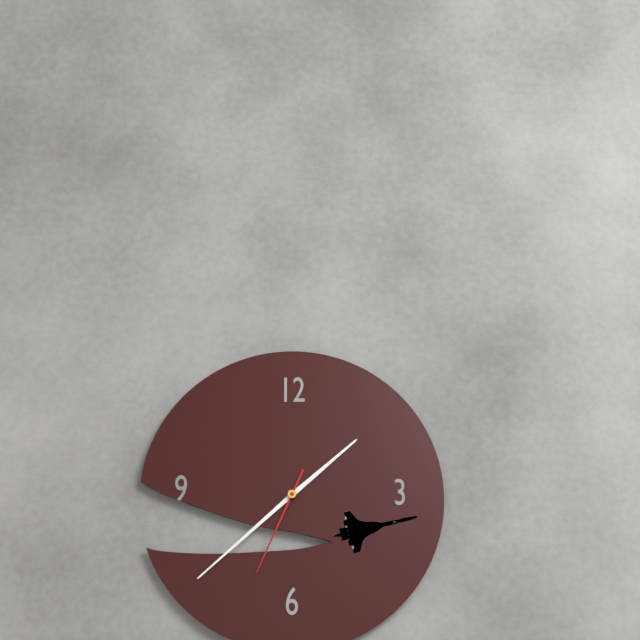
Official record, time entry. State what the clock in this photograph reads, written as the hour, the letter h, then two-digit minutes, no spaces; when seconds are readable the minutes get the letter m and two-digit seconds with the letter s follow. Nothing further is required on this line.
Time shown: 1h38m34s
